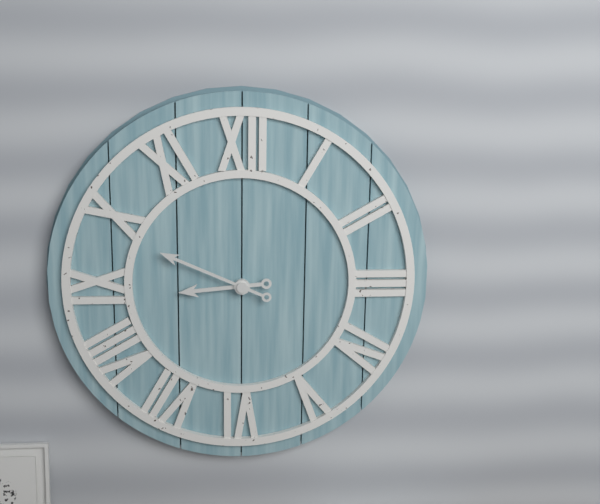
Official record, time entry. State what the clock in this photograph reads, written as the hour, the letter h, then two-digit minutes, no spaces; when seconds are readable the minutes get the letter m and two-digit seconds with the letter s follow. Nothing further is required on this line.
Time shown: 8h49
